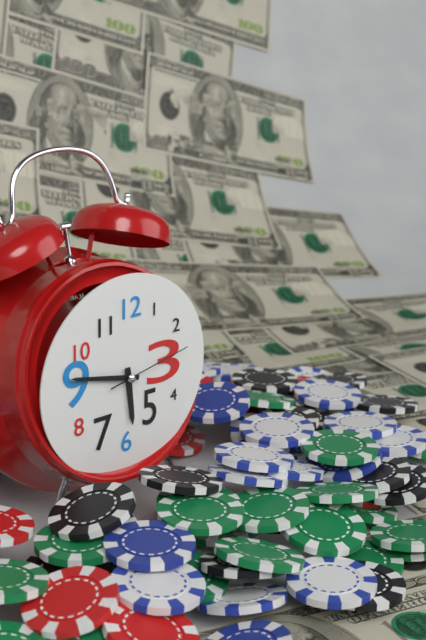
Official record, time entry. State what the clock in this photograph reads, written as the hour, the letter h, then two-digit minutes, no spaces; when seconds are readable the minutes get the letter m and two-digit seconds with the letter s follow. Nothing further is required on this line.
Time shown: 5h47m13s
